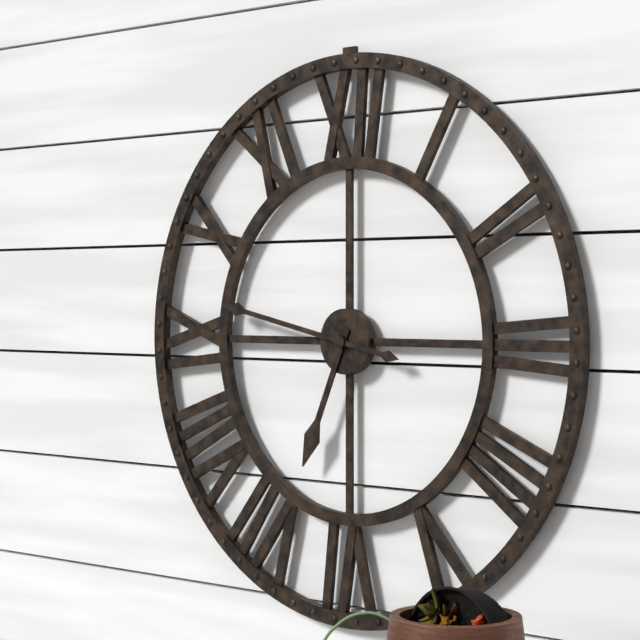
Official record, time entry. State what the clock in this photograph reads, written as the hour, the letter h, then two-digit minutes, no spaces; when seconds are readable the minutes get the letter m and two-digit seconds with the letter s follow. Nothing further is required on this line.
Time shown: 6h47
